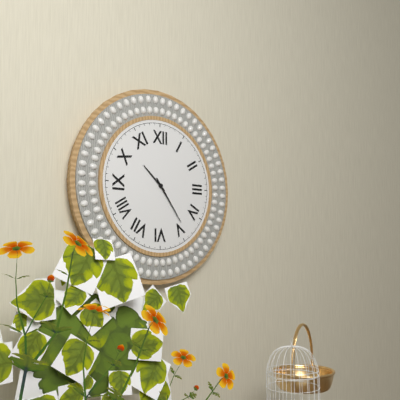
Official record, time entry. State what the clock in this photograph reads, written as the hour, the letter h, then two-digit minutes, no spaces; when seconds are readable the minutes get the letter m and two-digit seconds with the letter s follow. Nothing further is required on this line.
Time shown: 10h24
